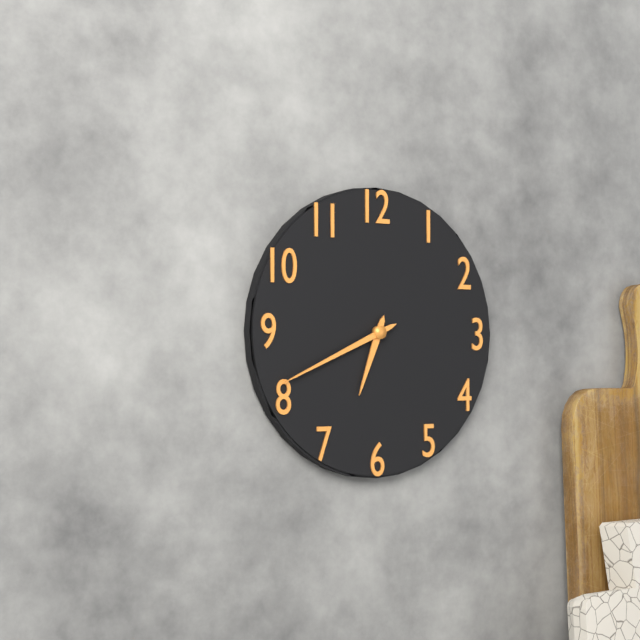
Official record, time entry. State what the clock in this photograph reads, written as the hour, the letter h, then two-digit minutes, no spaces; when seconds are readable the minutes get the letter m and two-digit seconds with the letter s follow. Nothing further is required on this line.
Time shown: 6h41
